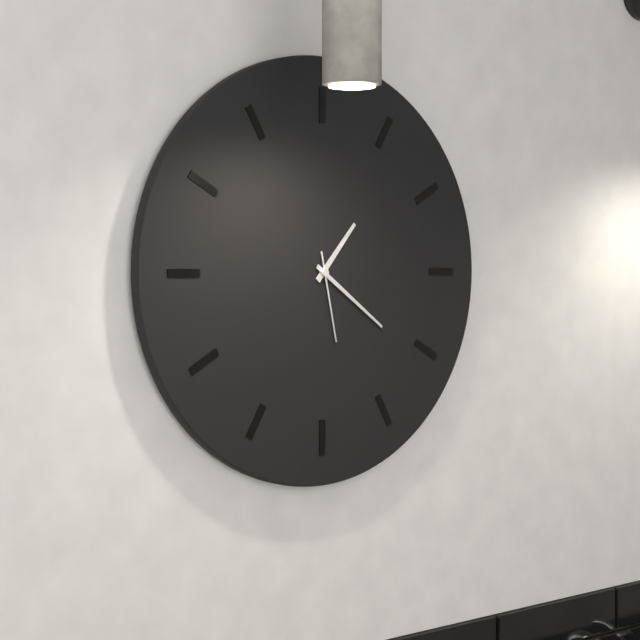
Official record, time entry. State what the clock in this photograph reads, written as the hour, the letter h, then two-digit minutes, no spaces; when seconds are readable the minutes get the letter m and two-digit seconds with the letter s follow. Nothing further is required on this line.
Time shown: 1h21m28s
